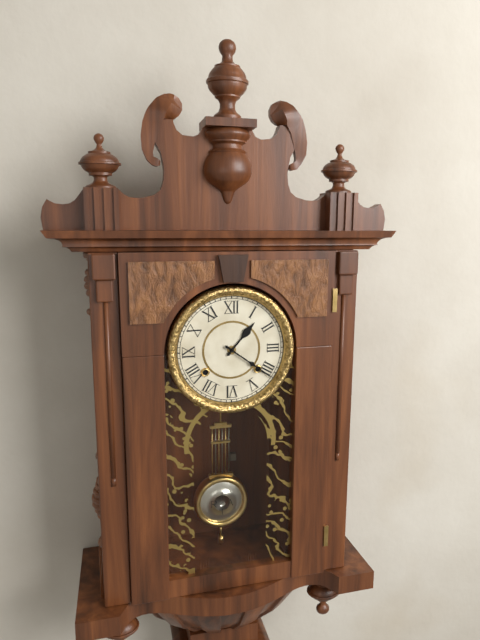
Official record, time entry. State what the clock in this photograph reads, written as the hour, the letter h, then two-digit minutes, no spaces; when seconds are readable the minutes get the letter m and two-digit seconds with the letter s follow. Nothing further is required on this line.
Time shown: 1h21
